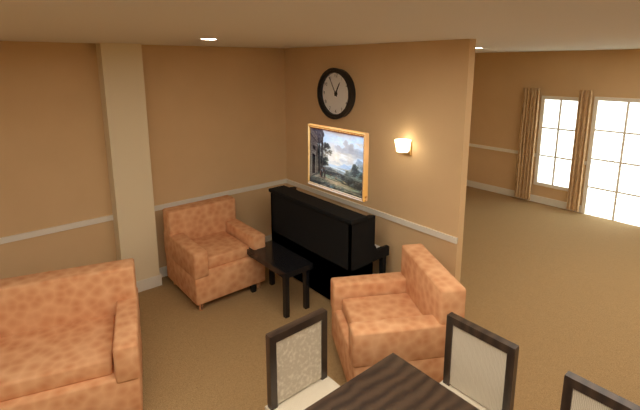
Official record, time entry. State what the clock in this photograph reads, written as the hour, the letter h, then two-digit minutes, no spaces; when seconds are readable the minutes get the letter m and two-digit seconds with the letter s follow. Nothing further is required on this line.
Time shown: 12h55
